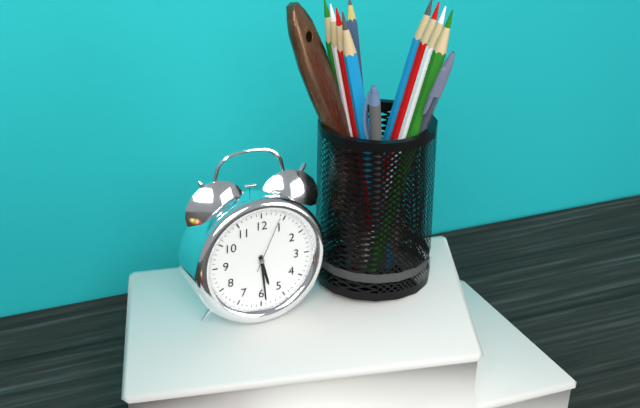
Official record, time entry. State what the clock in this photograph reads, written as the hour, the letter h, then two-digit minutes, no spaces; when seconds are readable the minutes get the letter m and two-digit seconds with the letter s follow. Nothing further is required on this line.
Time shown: 5h29m04s
